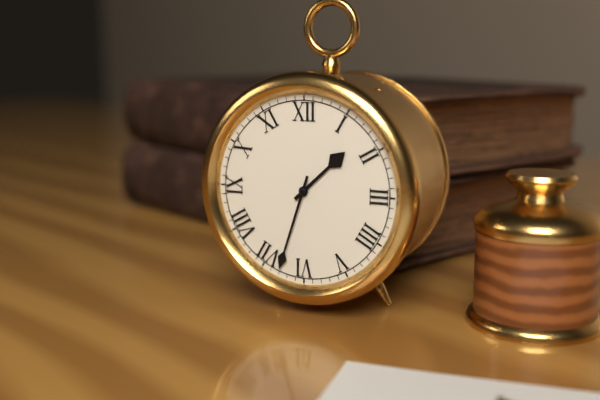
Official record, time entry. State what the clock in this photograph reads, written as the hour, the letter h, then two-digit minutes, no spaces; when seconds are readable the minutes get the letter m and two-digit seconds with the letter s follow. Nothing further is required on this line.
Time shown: 1h33
